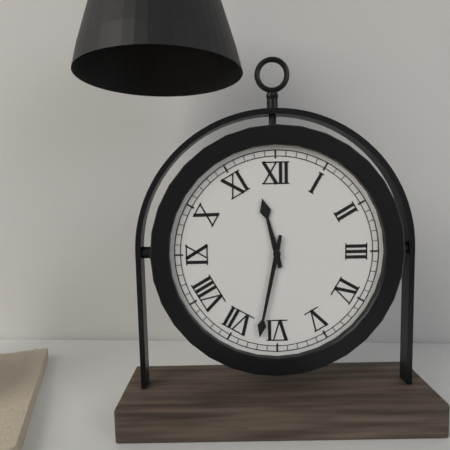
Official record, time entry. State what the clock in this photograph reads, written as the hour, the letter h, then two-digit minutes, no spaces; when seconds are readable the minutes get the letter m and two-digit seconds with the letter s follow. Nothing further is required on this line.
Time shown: 11h32
